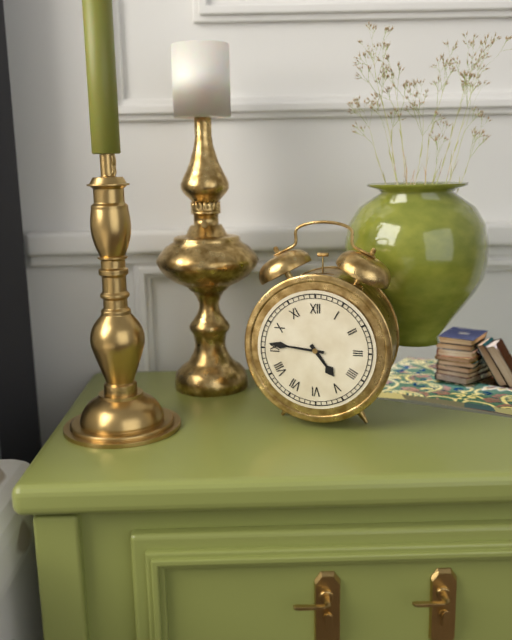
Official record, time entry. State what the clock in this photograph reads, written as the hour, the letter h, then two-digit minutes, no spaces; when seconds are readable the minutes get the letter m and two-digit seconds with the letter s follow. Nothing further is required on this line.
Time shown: 4h46
